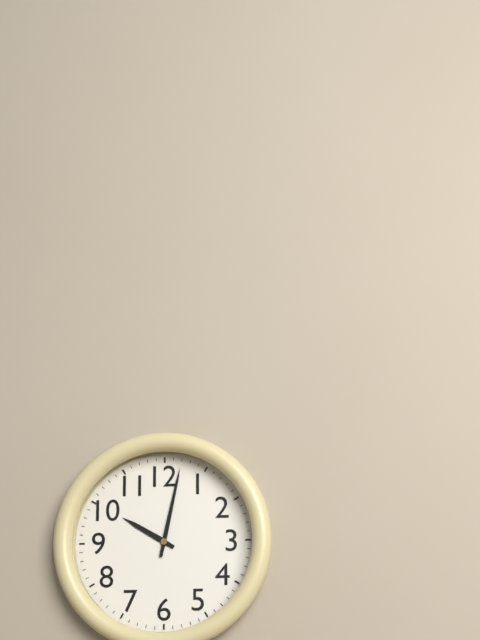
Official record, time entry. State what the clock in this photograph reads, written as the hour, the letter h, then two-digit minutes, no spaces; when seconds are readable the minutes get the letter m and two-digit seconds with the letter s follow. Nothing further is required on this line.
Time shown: 10h02
